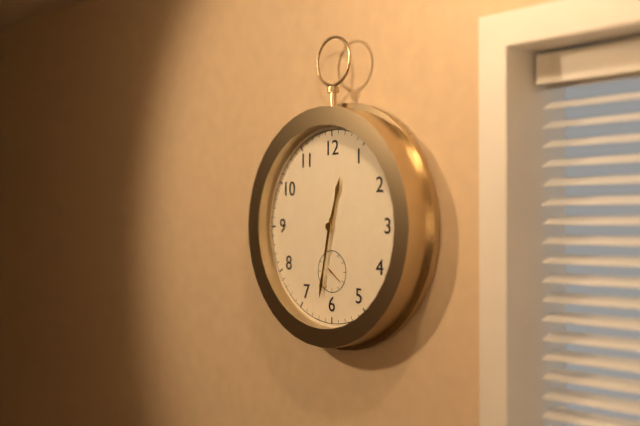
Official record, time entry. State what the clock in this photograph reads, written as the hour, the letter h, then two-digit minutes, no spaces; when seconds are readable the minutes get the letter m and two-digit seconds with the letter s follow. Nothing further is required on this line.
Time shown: 12h32
